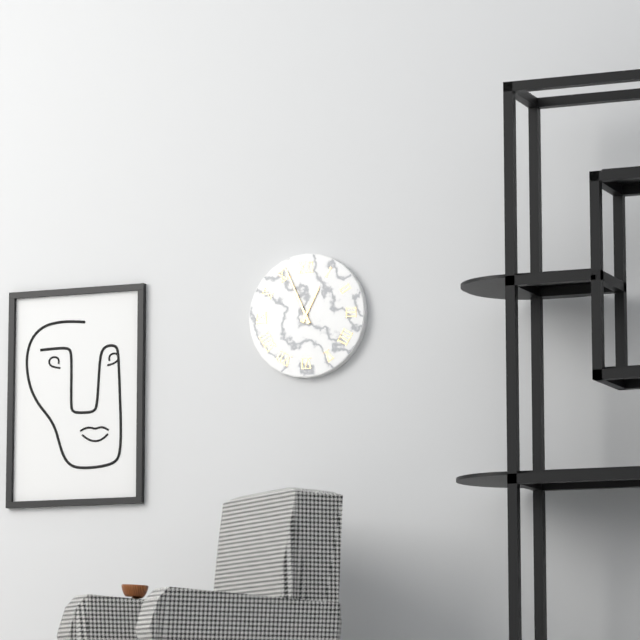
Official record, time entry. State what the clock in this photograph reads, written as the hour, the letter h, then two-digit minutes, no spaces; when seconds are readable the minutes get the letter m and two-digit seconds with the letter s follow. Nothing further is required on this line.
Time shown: 12h56
